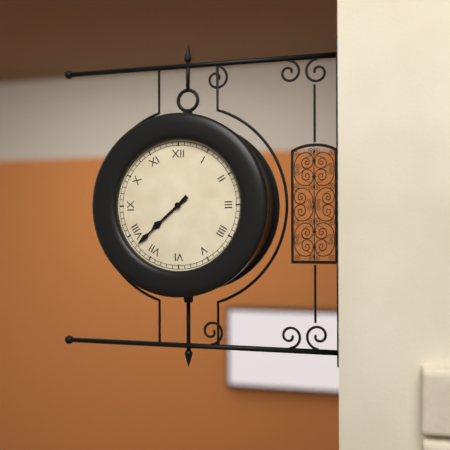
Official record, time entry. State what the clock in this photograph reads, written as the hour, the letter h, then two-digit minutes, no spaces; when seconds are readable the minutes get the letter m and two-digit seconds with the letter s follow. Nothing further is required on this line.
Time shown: 7h38
